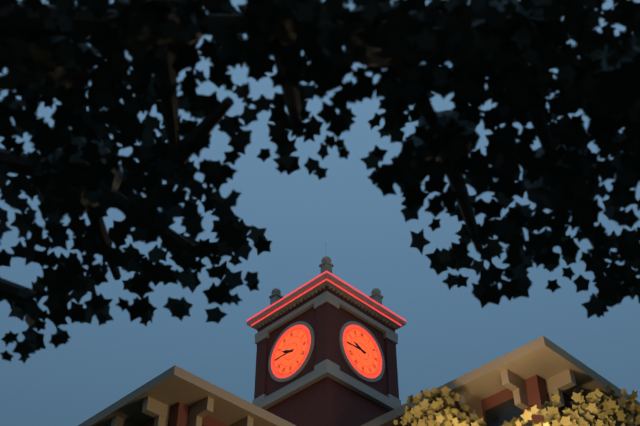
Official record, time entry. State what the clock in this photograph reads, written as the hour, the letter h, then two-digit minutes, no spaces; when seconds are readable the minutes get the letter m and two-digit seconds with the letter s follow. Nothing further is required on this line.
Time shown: 9h45
